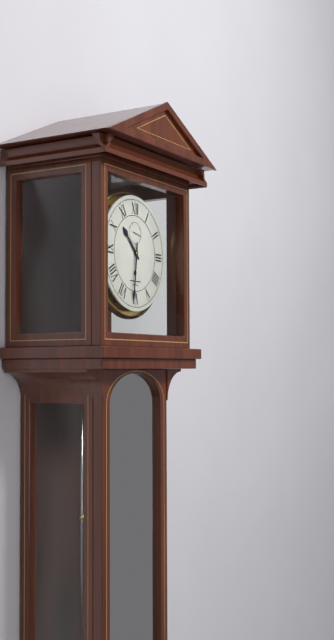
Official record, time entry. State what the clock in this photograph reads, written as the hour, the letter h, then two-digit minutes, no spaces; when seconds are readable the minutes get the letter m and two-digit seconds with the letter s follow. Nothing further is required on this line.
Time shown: 10h31
